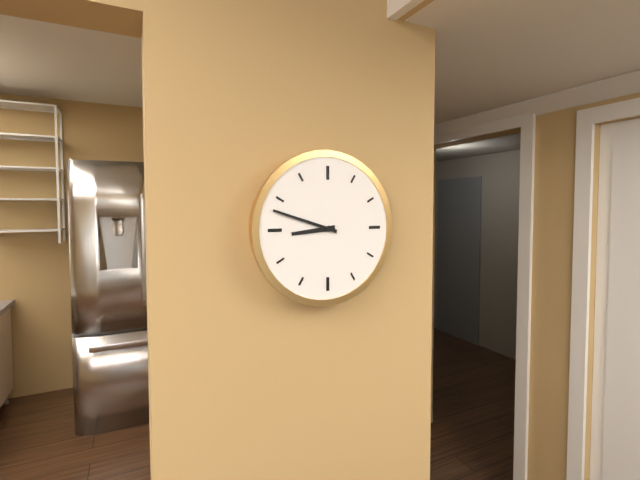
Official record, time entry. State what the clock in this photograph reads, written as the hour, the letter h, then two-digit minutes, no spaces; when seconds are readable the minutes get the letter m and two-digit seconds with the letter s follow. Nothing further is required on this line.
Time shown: 8h48
